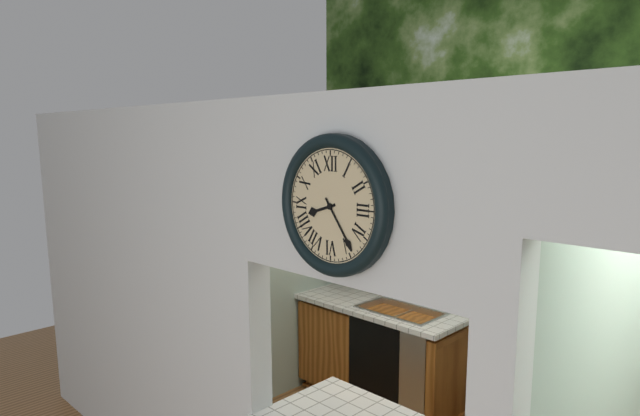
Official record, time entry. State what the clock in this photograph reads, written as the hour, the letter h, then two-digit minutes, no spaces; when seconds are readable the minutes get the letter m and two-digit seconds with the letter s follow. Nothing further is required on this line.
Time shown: 8h24
